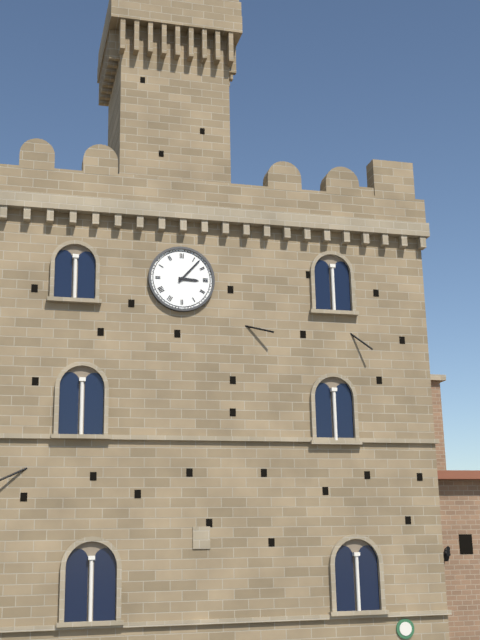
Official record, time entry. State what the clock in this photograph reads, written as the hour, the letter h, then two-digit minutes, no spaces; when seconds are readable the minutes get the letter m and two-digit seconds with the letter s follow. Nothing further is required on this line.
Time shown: 3h07
